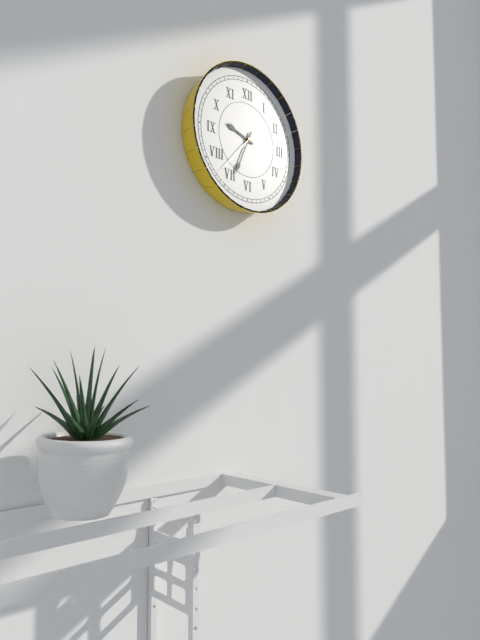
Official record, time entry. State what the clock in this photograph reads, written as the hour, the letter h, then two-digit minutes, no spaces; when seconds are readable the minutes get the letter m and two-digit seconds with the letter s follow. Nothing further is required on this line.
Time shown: 9h34m37s
